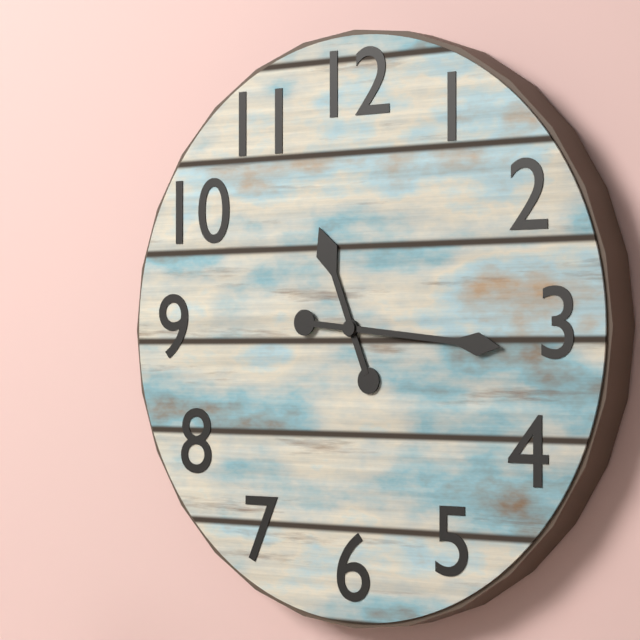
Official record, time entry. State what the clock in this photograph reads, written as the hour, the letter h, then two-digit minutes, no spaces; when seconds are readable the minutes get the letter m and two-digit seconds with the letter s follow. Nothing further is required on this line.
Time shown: 11h16
